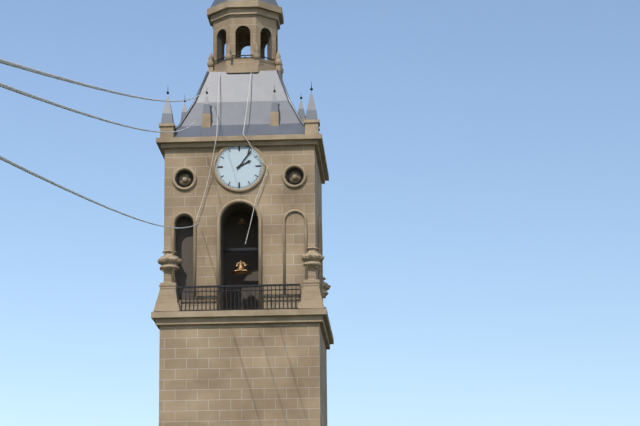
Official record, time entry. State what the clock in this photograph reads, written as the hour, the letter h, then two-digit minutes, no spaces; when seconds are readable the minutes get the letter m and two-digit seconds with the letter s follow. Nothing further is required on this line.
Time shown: 2h06
